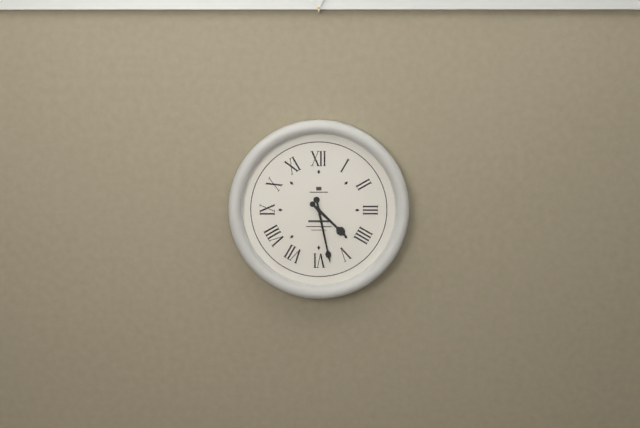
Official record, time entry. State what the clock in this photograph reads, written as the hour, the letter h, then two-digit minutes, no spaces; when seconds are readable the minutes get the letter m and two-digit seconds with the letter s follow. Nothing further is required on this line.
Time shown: 4h28
